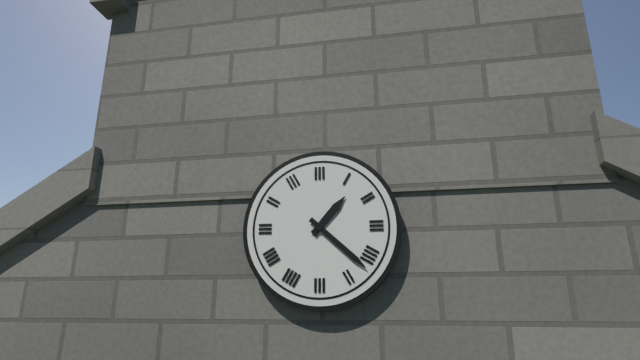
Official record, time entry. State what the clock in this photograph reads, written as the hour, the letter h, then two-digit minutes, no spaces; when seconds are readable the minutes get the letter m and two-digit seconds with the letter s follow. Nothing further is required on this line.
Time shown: 1h22
